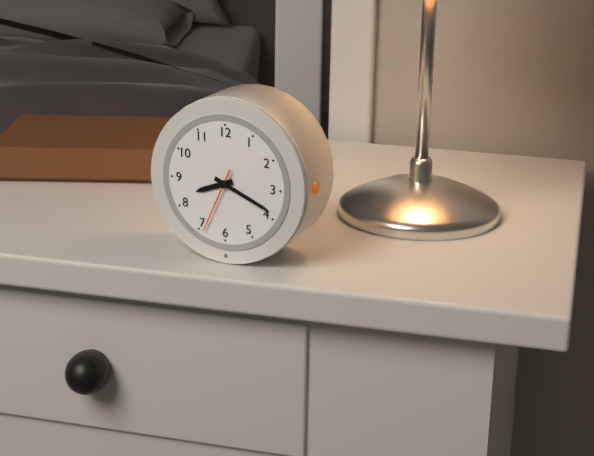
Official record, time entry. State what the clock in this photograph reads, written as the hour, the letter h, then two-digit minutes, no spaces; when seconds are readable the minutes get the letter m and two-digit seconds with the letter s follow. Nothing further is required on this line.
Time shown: 8h19m34s
